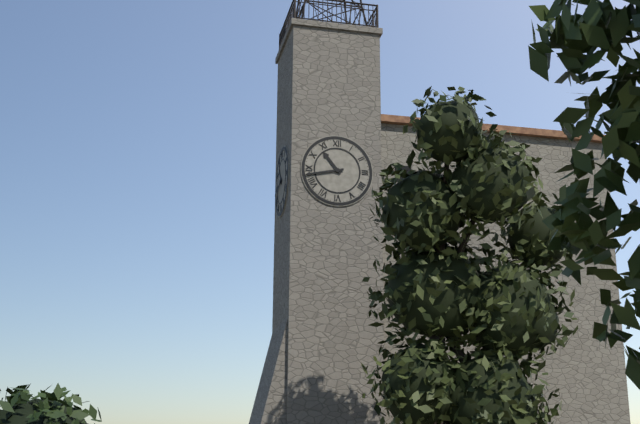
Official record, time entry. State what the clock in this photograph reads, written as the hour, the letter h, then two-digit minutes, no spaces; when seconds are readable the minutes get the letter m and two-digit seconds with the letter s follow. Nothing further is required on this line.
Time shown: 10h43
